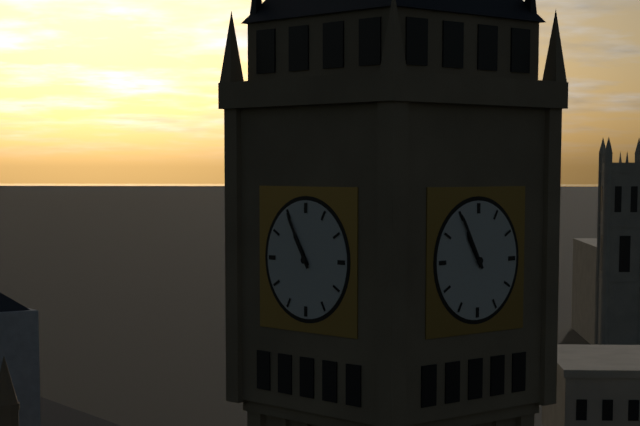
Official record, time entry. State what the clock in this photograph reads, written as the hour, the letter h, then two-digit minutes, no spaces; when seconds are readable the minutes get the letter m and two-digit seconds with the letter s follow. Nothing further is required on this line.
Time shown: 10h55
